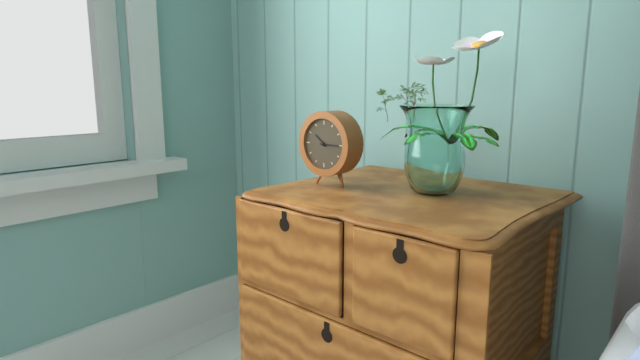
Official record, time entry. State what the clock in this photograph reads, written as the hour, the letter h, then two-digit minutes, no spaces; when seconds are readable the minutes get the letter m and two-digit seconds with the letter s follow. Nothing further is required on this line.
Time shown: 10h15
